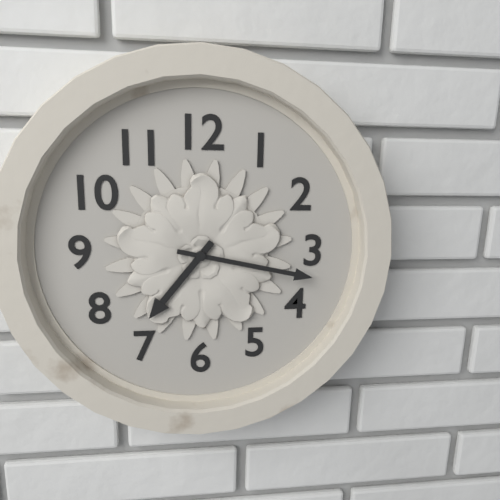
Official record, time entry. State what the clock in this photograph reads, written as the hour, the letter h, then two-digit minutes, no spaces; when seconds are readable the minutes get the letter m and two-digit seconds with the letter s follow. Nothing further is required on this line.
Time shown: 7h17
